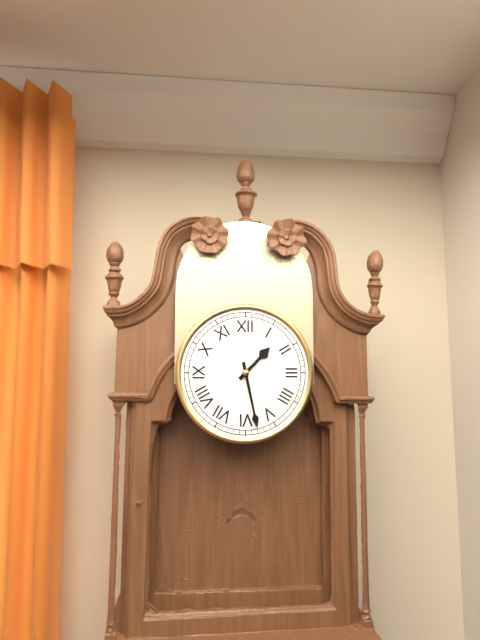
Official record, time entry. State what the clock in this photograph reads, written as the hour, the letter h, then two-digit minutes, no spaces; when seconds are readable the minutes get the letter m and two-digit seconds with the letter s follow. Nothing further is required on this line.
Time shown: 1h28
